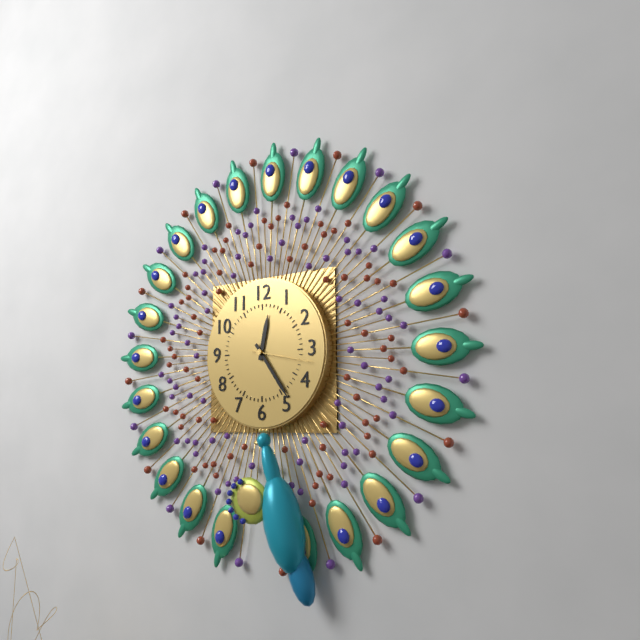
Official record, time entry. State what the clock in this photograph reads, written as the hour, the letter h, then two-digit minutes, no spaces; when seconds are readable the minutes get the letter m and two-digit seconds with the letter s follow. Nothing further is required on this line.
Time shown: 12h24m17s
